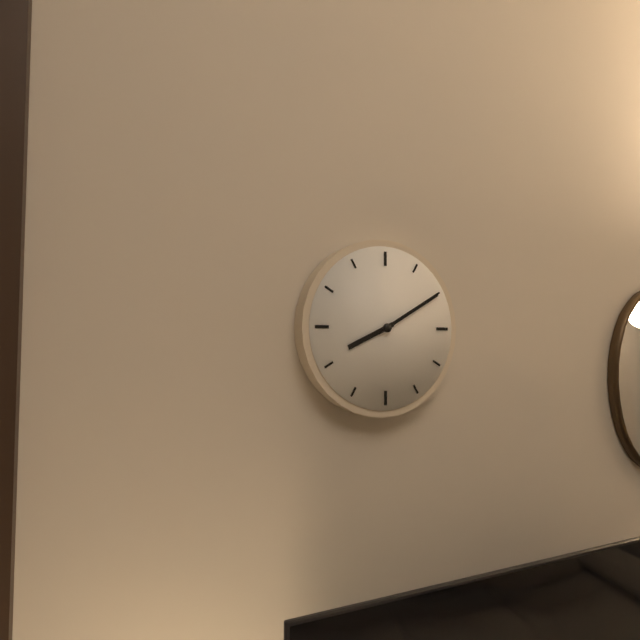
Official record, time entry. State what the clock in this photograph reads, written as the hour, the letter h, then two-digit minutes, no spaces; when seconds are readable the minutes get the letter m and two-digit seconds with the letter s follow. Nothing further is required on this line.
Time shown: 8h10
